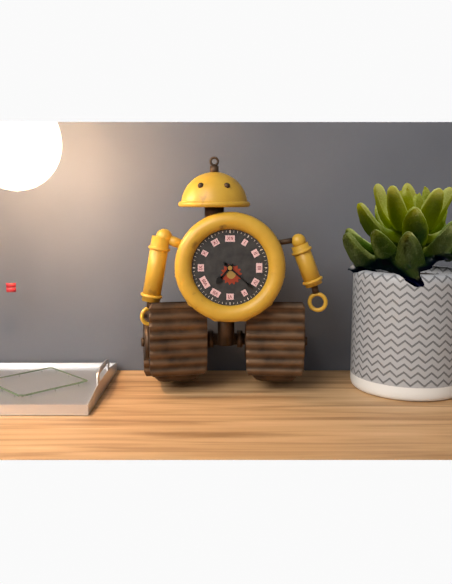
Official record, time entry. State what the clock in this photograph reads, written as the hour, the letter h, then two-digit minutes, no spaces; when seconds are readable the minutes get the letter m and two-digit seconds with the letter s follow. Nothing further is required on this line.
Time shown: 7h22
